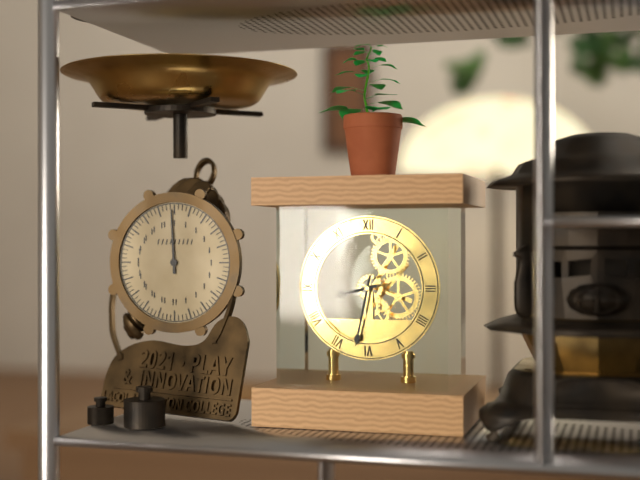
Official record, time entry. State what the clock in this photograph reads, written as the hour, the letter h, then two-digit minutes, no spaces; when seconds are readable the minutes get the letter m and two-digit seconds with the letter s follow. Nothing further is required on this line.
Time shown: 8h32
